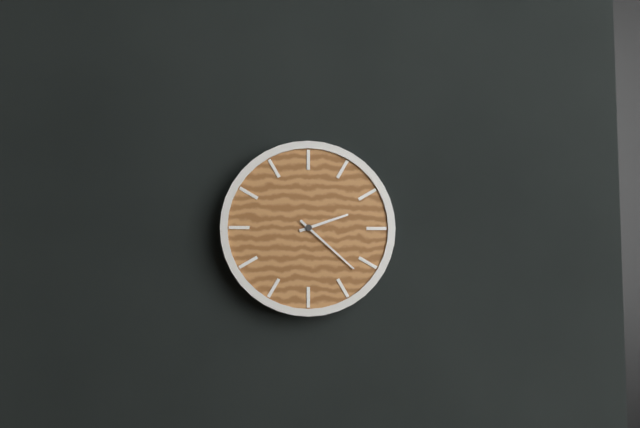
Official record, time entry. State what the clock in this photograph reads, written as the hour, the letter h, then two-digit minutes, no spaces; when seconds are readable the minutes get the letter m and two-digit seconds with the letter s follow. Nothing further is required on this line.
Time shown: 2h22
